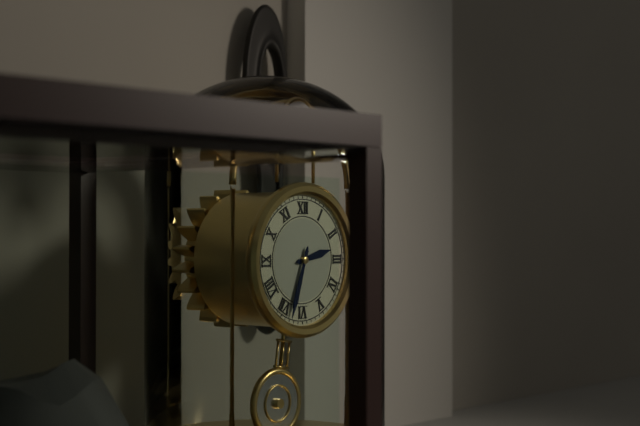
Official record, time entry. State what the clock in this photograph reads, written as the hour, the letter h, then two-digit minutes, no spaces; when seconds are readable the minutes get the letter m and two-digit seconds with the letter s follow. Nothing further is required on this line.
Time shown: 2h33
